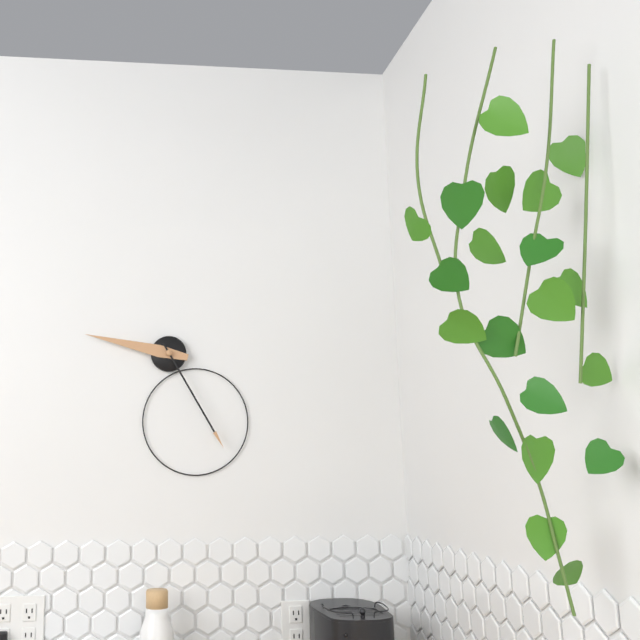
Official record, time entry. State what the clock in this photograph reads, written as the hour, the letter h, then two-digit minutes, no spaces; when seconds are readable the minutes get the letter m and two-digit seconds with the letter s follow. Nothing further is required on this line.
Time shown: 9h25
